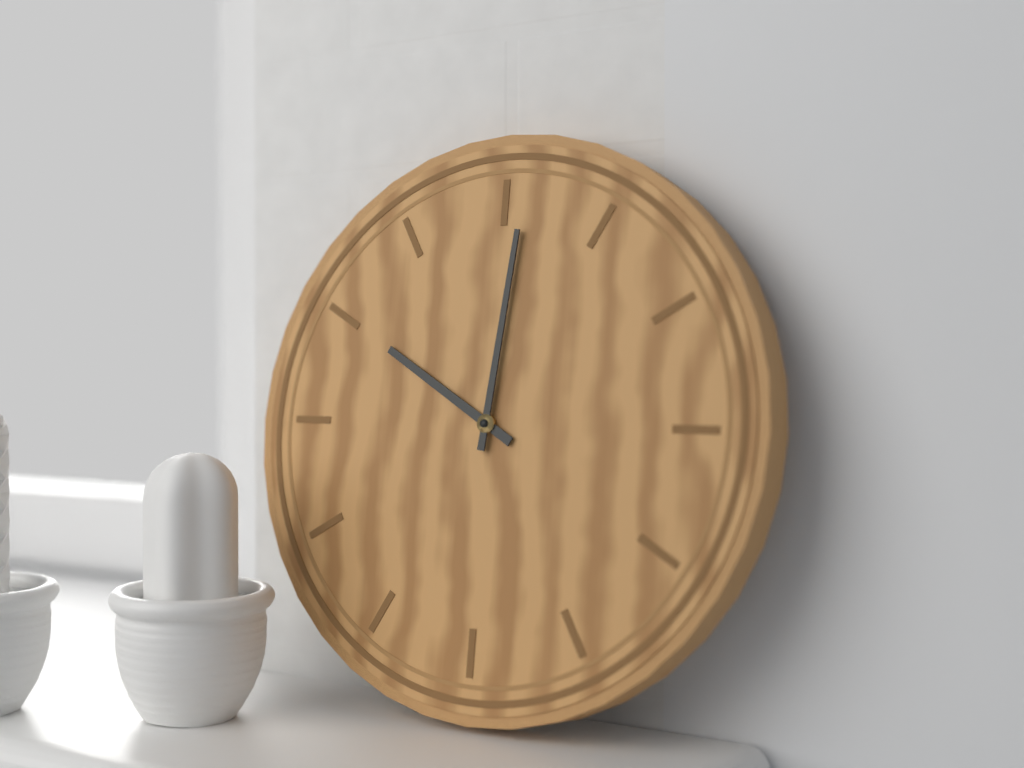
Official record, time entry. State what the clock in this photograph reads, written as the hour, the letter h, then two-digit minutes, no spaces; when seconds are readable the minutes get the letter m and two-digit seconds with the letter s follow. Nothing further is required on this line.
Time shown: 10h01
